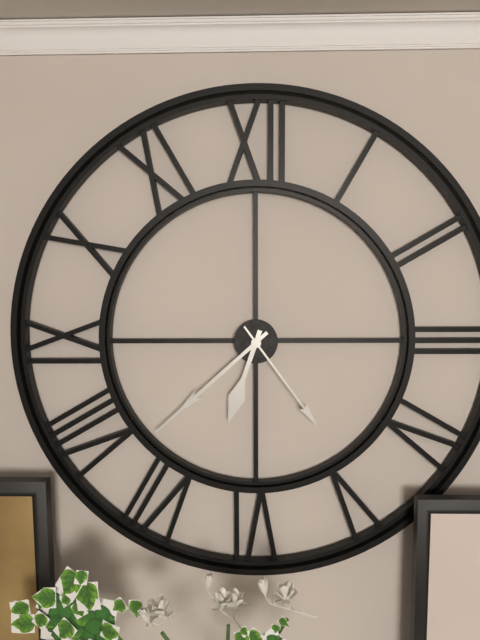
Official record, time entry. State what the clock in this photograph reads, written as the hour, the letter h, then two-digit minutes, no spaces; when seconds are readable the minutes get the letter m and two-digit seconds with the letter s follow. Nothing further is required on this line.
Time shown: 6h38m24s
